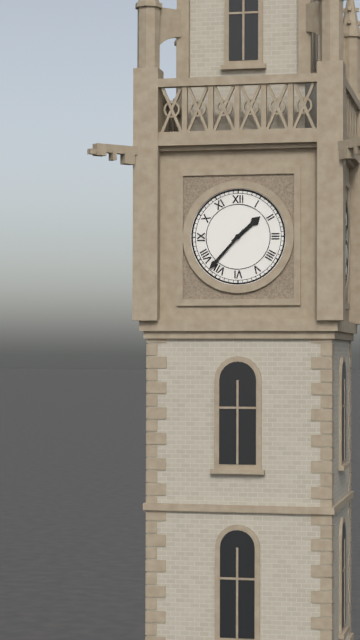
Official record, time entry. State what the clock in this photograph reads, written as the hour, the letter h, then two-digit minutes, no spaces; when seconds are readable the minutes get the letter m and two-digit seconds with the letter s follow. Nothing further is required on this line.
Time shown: 1h37
